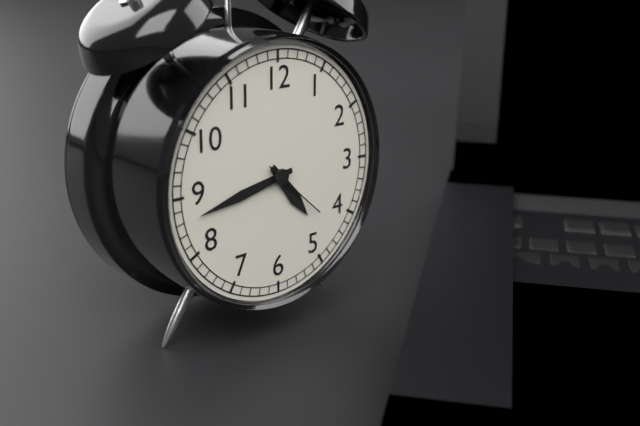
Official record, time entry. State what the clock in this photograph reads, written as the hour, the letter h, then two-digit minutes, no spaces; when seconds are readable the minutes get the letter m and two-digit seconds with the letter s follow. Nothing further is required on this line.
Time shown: 4h43m22s
